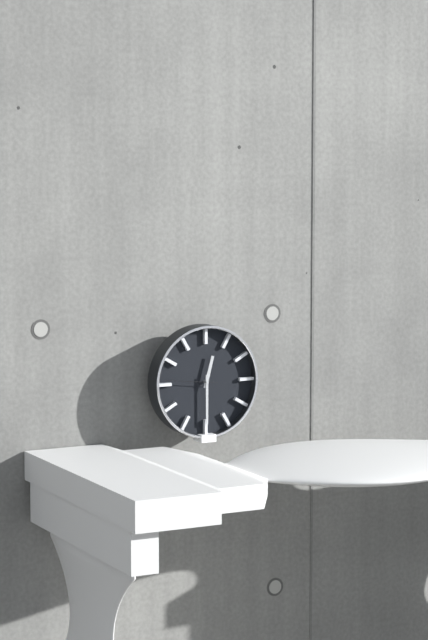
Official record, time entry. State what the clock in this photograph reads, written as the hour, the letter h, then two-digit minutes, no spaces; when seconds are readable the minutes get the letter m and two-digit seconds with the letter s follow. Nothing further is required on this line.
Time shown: 12h30m46s
